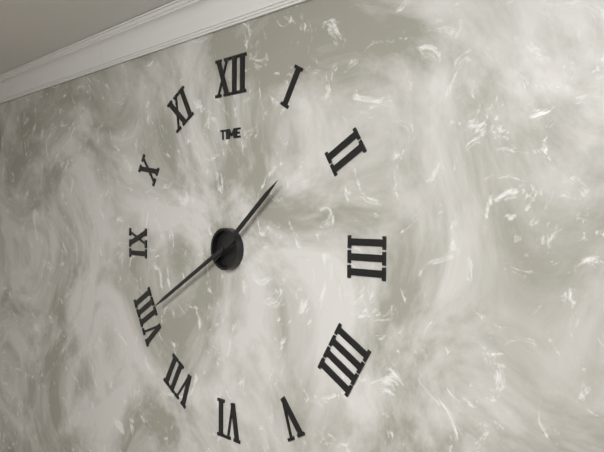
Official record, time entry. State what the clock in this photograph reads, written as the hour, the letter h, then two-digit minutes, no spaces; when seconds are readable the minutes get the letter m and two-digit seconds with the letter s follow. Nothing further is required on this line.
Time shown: 1h40
